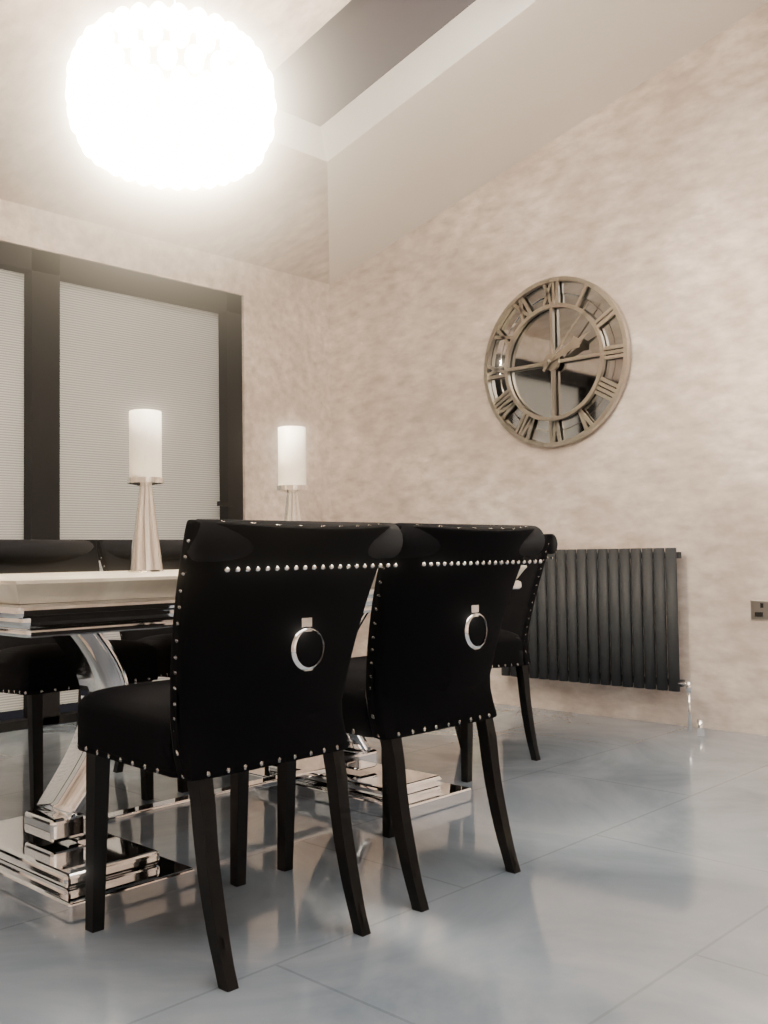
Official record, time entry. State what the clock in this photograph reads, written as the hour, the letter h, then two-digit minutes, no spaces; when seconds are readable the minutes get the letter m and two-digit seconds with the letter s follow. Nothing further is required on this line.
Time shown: 2h07
